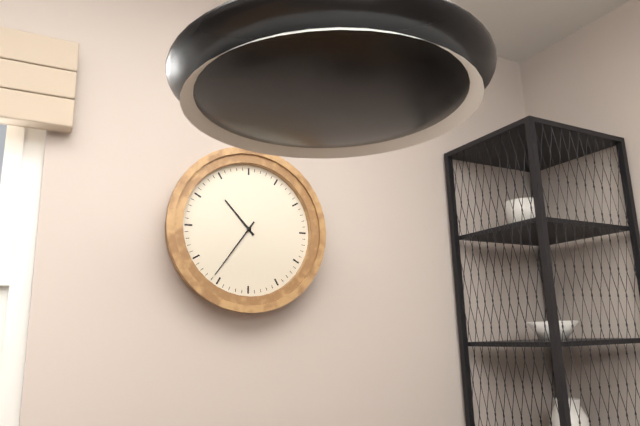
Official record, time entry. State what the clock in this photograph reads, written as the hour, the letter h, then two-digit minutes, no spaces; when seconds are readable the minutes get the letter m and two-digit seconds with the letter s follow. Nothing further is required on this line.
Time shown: 10h36
